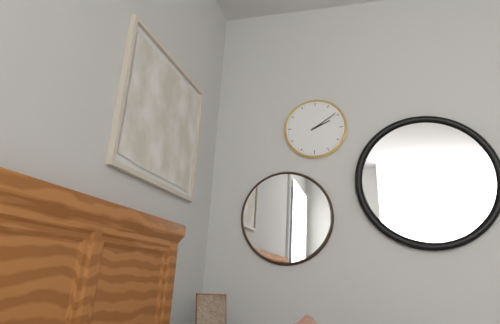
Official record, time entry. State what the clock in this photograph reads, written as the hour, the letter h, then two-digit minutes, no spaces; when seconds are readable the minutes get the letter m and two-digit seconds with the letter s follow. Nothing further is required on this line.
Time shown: 2h09
